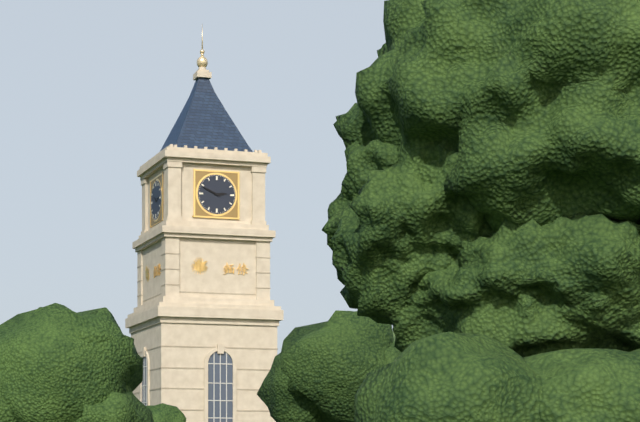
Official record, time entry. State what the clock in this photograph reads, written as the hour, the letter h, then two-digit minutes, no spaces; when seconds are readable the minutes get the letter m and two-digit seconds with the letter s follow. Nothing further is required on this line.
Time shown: 2h49
